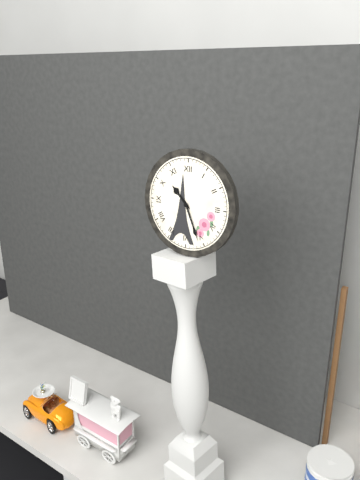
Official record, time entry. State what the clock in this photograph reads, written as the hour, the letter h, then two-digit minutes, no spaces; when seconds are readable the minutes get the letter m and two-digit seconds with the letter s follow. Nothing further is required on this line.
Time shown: 10h26
